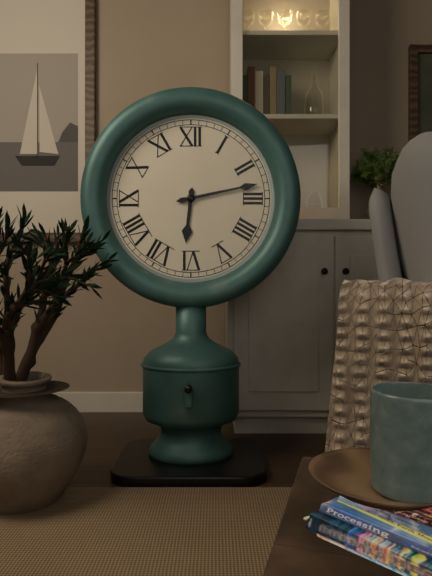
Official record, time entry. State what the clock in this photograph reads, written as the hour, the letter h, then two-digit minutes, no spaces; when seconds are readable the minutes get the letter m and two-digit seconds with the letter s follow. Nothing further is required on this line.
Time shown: 6h13
